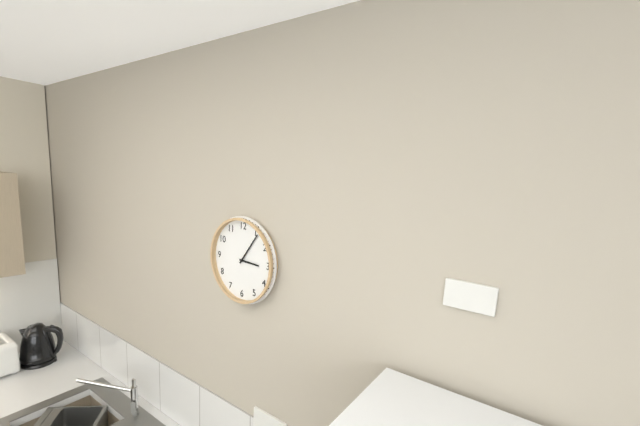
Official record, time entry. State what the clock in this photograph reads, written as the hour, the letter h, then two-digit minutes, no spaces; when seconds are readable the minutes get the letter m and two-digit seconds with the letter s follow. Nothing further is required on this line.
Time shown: 3h06
